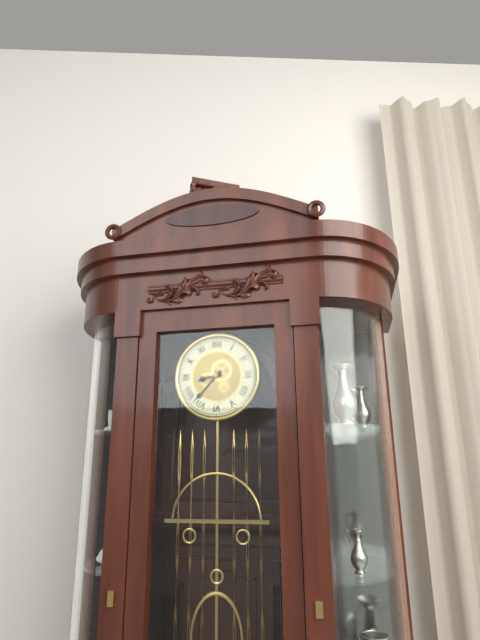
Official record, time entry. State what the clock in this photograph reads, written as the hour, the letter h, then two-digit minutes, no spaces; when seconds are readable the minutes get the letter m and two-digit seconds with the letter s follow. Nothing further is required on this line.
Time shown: 8h37
